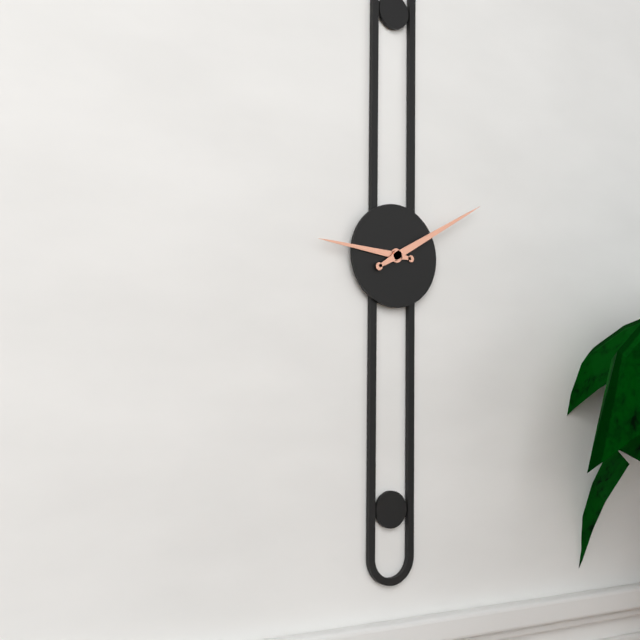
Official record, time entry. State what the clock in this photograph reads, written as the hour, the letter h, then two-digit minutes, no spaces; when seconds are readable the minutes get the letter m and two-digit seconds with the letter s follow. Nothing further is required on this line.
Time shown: 9h10
